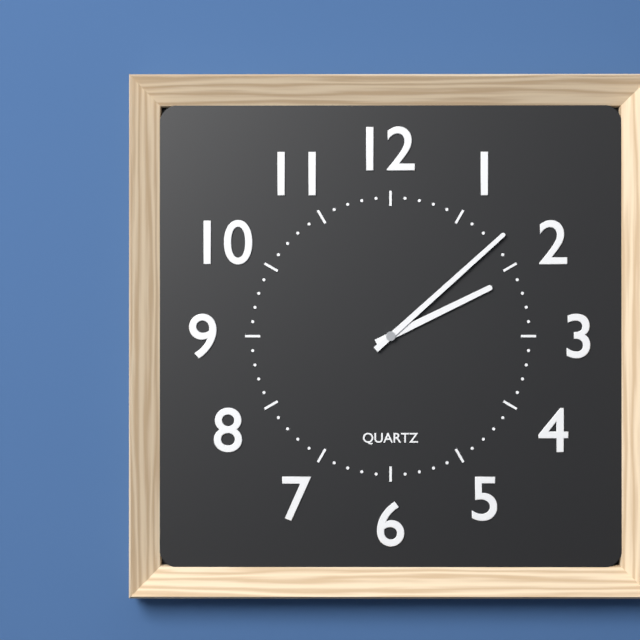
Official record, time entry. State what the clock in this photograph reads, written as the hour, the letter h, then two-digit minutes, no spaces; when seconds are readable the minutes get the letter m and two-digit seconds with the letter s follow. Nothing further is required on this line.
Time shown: 2h08
